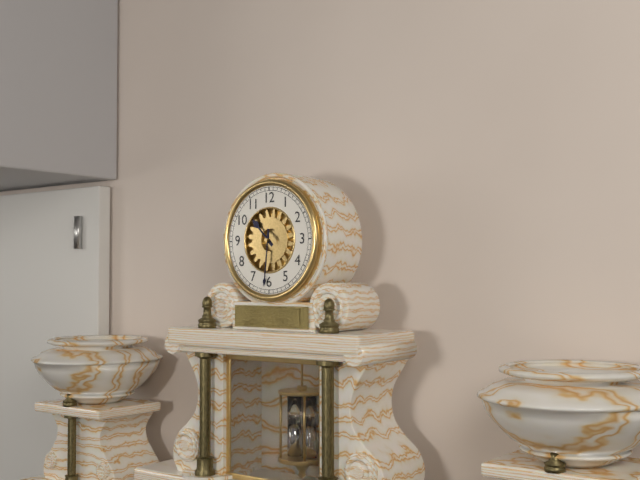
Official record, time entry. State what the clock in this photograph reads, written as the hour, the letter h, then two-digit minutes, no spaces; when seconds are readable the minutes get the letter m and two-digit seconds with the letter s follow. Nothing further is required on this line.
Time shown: 10h31
